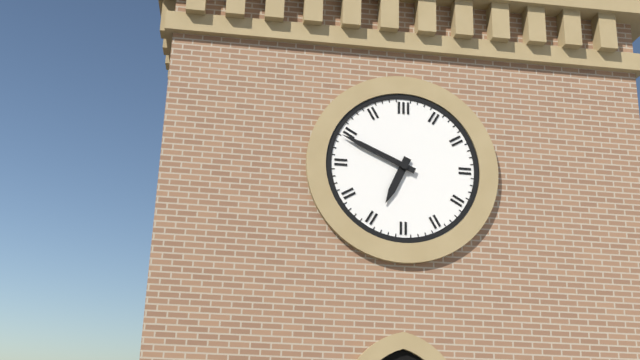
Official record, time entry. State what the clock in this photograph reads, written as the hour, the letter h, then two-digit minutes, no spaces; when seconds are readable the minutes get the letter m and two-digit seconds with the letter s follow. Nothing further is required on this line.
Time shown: 6h49
